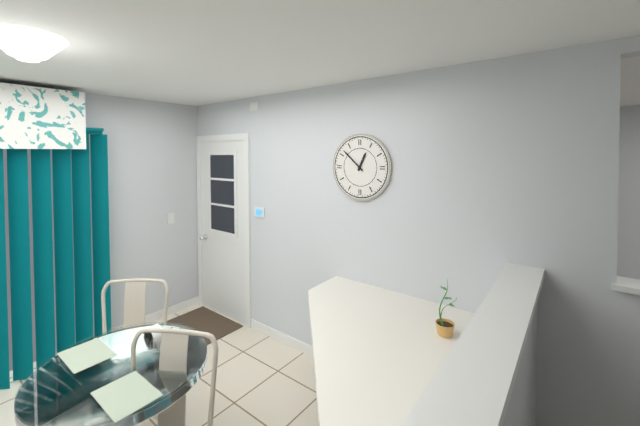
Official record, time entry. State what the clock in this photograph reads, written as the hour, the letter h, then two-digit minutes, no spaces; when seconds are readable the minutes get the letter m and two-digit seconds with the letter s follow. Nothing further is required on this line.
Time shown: 12h52
